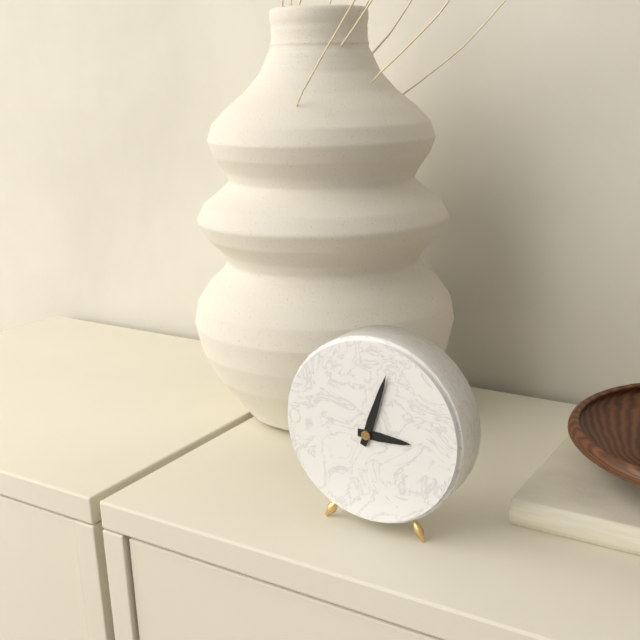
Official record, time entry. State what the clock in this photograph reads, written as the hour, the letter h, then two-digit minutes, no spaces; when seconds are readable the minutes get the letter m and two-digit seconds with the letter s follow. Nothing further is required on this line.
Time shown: 3h03
